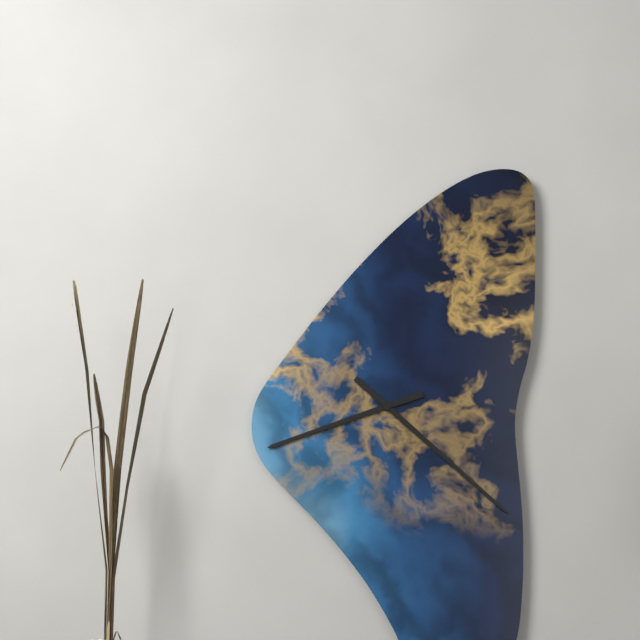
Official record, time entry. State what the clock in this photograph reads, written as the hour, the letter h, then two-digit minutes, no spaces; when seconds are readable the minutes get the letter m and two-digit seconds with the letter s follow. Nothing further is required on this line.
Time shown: 8h22
